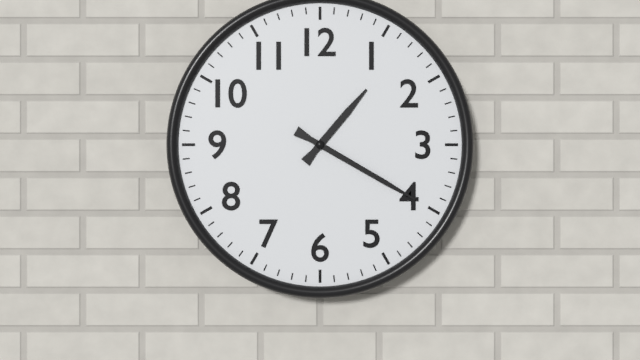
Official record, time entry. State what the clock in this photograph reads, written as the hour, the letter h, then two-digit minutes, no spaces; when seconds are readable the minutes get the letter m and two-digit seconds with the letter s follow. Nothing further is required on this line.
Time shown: 1h20
